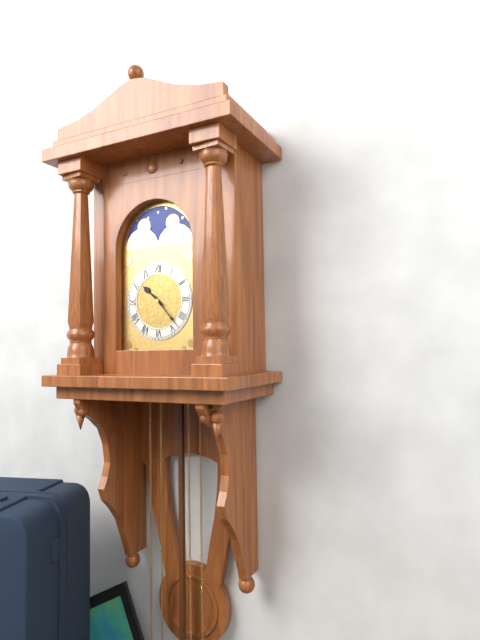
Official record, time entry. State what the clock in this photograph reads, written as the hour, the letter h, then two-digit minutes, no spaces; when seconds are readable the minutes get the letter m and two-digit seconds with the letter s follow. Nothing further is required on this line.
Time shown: 10h23
